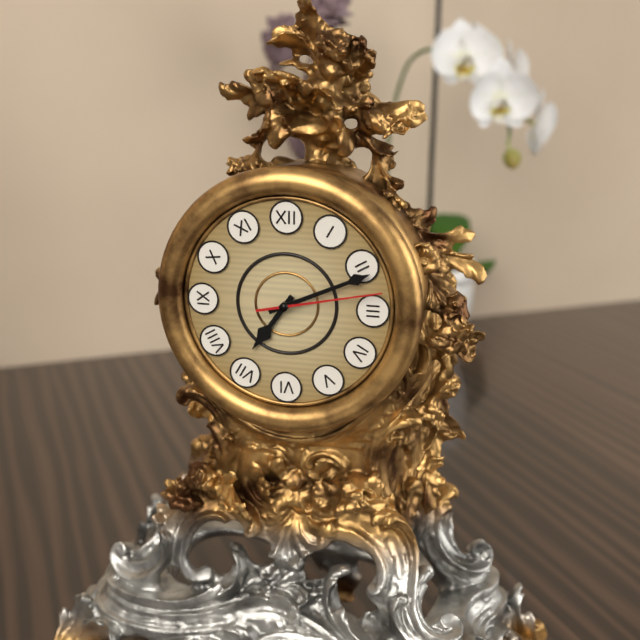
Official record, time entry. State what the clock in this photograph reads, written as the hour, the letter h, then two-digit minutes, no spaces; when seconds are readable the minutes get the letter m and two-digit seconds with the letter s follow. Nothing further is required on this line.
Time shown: 7h11m13s
